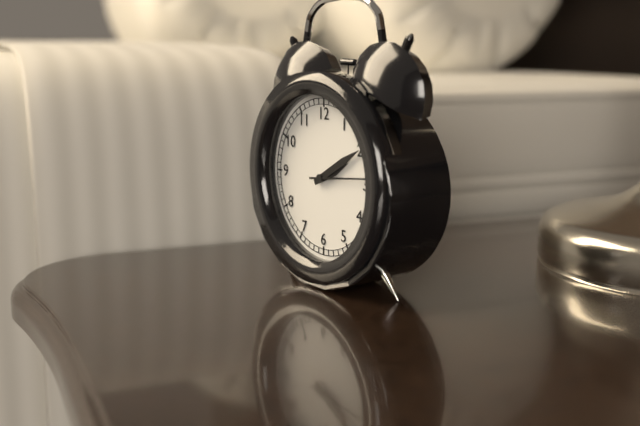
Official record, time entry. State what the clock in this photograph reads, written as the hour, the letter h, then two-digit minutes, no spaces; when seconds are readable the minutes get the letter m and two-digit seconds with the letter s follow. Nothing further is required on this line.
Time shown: 2h10m14s
